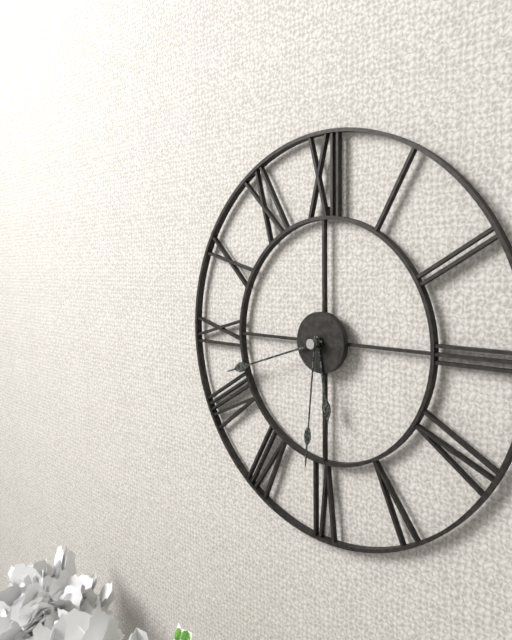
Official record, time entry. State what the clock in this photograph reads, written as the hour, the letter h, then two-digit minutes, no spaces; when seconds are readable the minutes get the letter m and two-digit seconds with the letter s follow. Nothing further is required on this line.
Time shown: 5h42m31s
